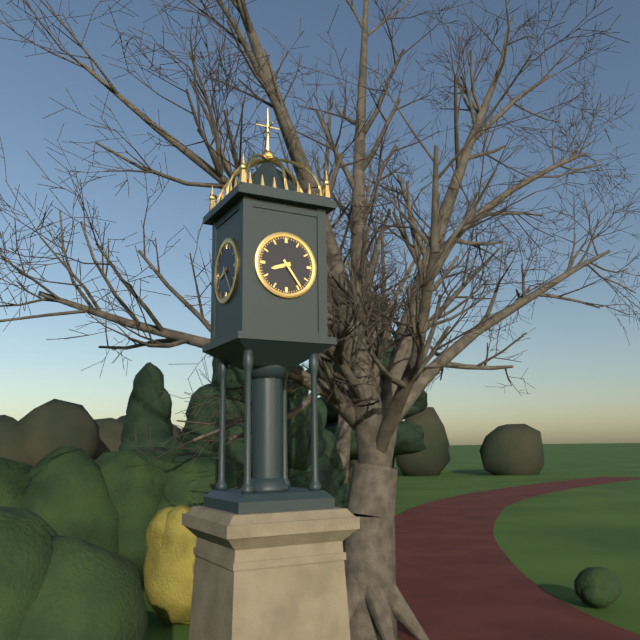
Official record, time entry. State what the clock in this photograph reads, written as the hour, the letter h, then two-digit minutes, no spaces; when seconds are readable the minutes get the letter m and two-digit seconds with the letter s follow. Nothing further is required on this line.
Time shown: 8h24
